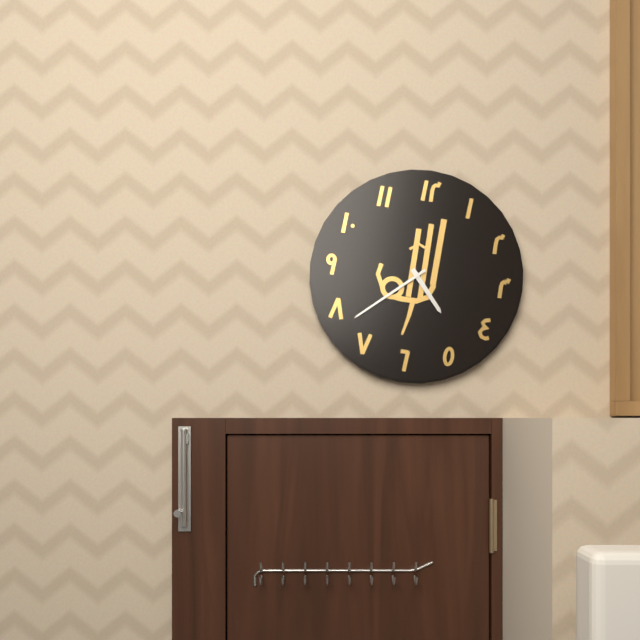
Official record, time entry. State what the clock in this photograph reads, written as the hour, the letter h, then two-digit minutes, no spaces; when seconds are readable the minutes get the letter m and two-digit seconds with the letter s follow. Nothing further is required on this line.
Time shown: 4h38
